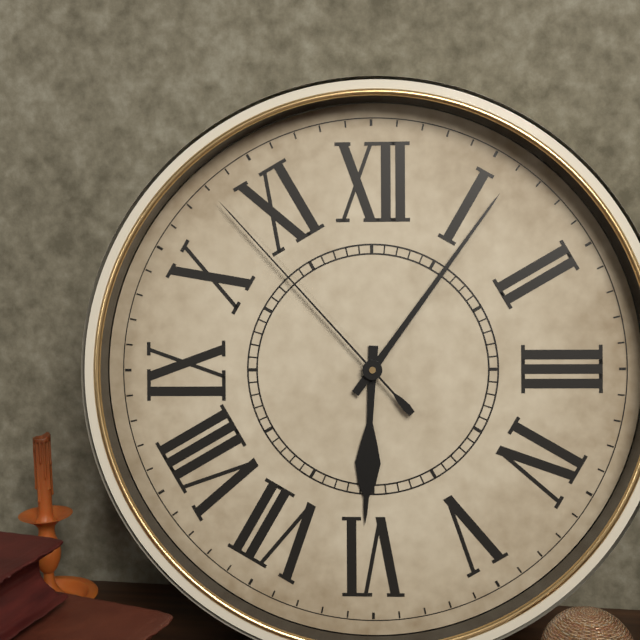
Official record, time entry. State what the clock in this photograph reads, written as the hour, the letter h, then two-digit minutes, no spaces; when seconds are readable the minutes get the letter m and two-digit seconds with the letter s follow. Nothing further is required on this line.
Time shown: 6h06m53s
